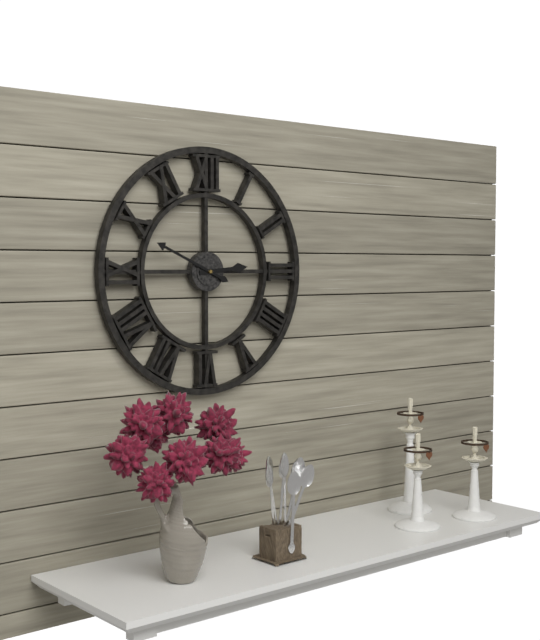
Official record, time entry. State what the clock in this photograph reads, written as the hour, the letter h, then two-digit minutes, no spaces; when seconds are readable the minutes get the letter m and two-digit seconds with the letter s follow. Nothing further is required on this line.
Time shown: 2h49
